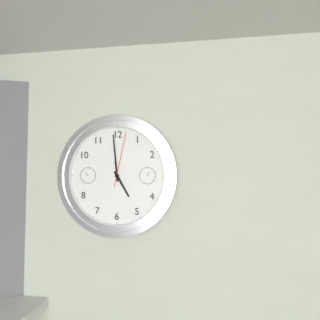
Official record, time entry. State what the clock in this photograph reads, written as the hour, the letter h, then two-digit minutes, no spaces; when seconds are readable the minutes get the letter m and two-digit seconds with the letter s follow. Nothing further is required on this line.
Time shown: 4h59m02s
